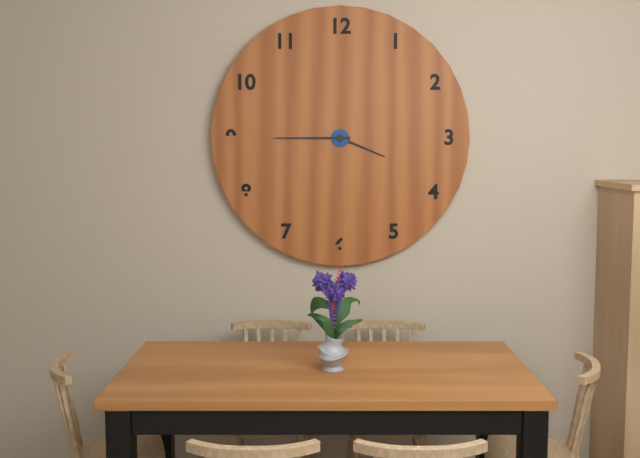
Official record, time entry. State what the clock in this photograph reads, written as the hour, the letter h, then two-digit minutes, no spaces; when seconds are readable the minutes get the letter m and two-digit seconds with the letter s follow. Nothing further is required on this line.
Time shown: 3h45
